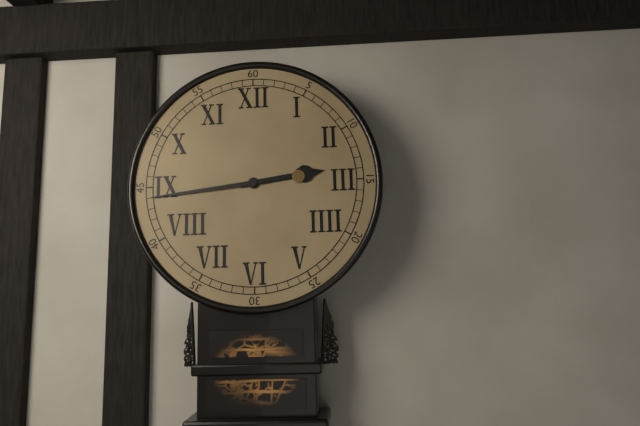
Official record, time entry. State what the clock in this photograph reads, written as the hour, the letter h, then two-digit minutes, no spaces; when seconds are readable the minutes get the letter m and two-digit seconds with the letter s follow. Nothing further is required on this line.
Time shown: 2h44
